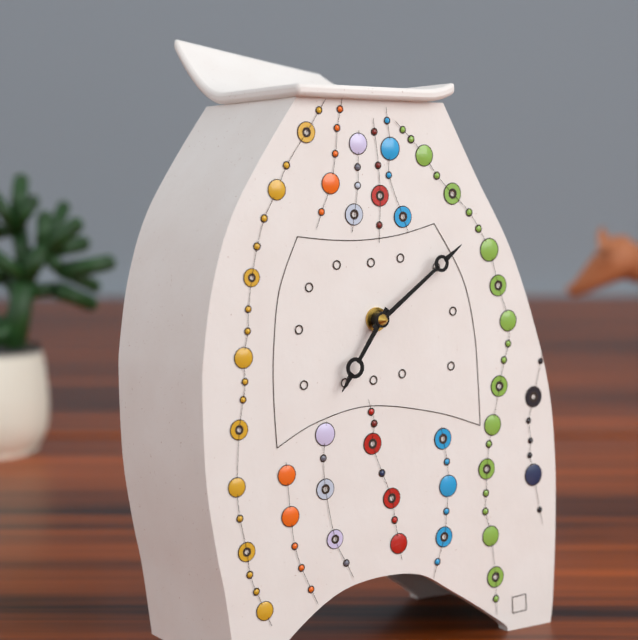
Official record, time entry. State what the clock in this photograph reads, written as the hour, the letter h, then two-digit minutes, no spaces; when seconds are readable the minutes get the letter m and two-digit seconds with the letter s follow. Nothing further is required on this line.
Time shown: 7h09
